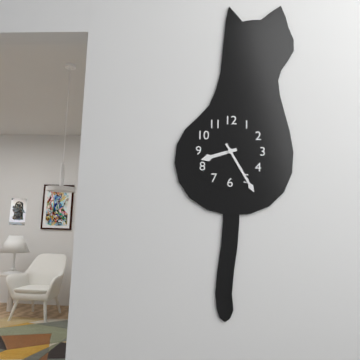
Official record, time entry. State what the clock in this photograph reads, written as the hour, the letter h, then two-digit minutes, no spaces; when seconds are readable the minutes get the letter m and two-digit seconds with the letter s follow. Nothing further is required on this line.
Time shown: 8h25
